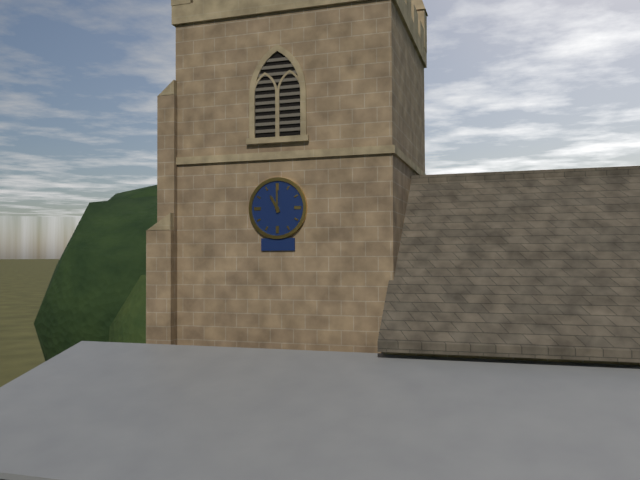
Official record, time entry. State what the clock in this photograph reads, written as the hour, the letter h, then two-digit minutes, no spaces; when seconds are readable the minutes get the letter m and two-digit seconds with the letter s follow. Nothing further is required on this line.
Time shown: 11h00
